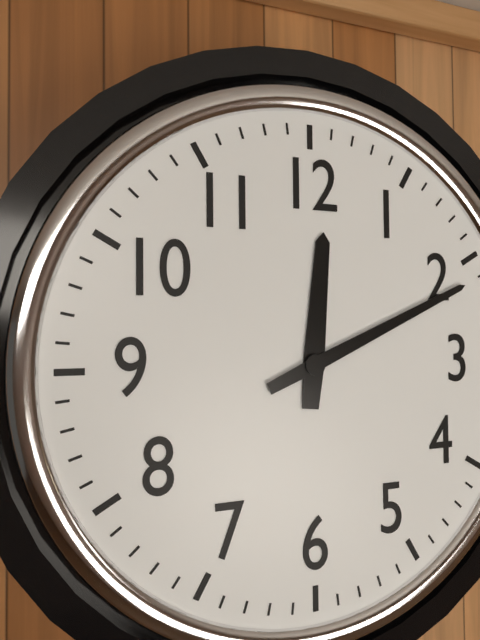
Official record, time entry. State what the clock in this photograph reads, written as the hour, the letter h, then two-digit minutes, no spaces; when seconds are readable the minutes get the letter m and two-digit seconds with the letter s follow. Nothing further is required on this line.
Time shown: 12h11
